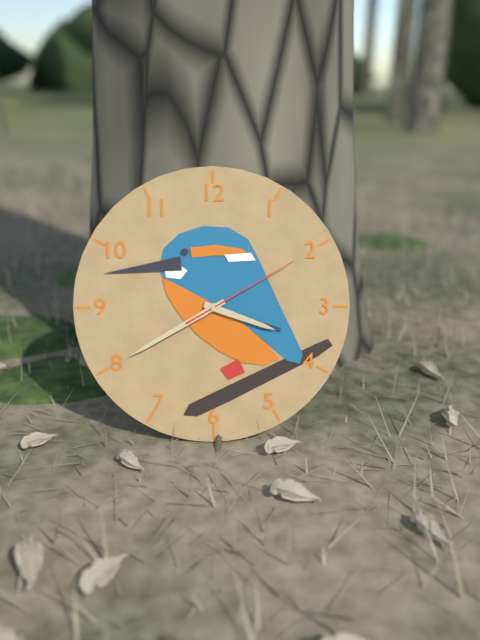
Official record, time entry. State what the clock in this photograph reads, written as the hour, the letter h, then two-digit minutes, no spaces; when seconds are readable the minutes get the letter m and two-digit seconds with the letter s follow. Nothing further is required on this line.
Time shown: 3h40m10s
